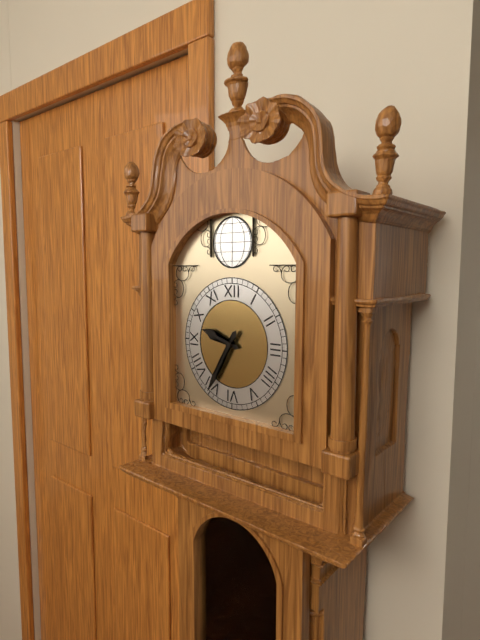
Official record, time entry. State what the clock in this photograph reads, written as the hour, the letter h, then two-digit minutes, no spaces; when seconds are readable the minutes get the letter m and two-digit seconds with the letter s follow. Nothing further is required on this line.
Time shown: 9h35
